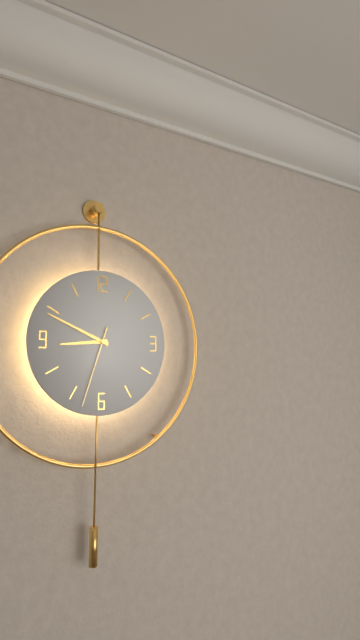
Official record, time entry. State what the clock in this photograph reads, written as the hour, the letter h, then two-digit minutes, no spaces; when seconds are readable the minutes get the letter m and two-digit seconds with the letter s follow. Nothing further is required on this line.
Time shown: 8h49m33s
